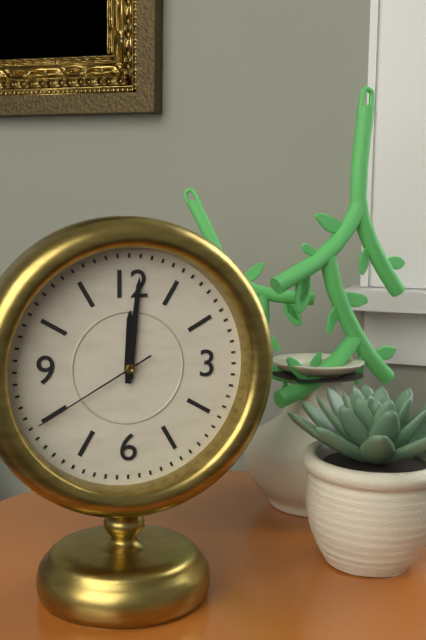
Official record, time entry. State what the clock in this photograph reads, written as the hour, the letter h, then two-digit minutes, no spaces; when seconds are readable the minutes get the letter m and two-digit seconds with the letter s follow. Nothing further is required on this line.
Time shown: 12h01m40s
